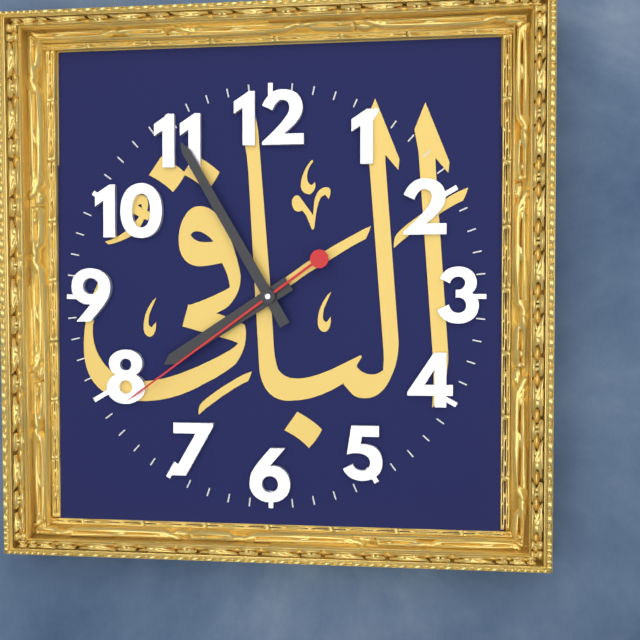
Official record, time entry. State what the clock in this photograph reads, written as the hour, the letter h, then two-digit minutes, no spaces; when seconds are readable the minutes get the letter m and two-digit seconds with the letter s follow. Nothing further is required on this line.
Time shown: 7h55m39s
